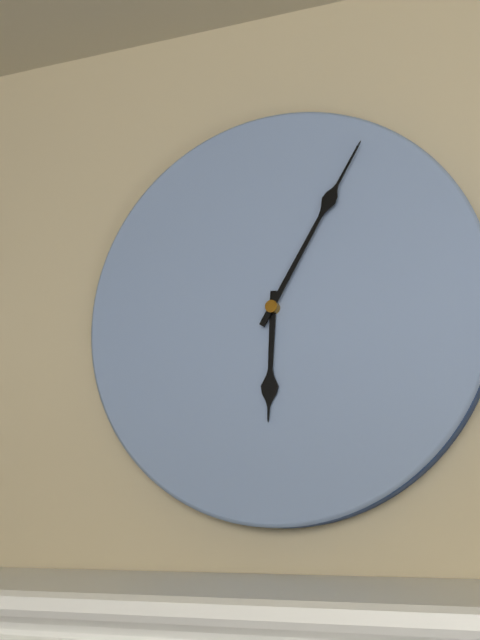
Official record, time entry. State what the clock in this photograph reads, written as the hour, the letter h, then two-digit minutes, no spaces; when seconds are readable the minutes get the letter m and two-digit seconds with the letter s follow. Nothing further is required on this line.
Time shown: 6h05
